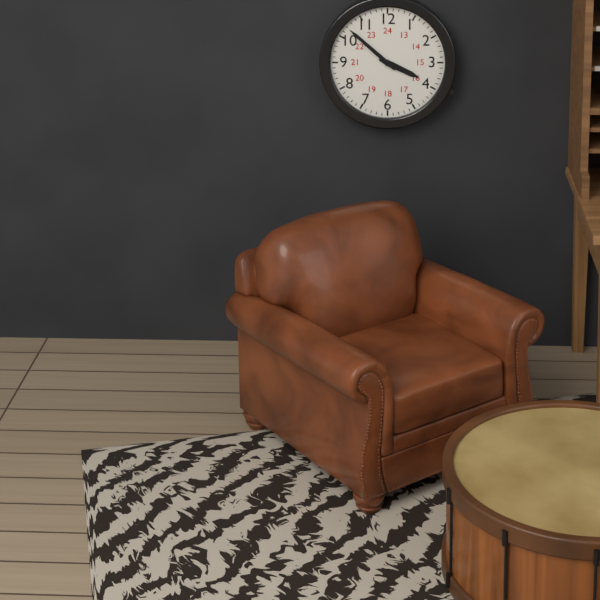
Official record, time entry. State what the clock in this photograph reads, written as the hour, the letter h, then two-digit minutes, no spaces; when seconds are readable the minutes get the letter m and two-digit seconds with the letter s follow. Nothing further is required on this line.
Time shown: 3h52
